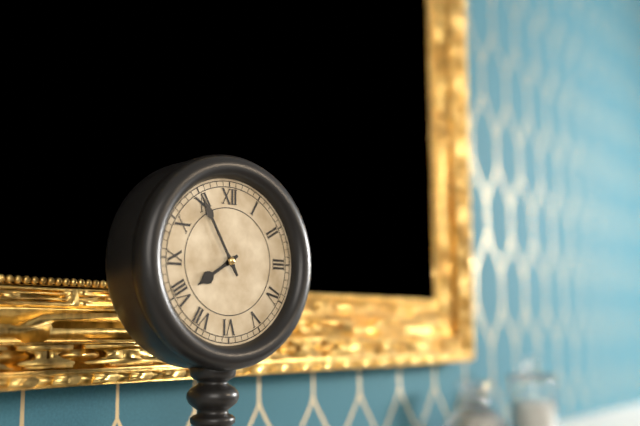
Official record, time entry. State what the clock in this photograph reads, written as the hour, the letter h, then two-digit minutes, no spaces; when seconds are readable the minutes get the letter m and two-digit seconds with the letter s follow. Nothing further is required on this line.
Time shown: 7h55
